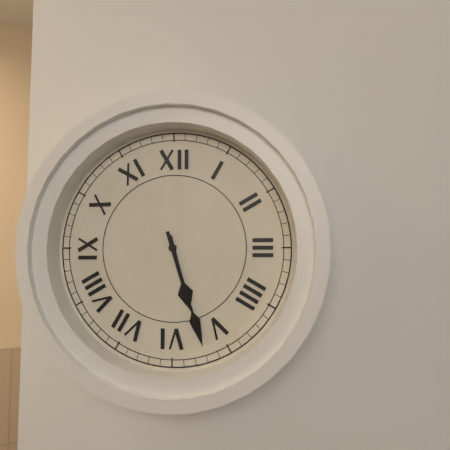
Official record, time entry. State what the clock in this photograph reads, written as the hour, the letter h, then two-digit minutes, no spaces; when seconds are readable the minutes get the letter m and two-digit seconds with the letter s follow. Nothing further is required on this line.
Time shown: 5h27
